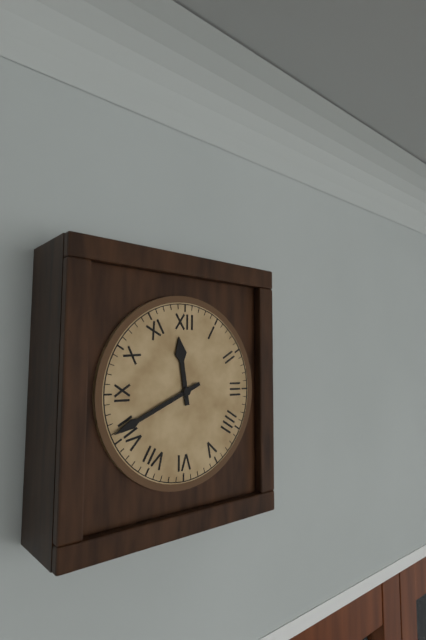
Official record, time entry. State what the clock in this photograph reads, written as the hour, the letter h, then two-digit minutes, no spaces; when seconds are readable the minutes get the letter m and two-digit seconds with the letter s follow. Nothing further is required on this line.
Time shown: 11h41
